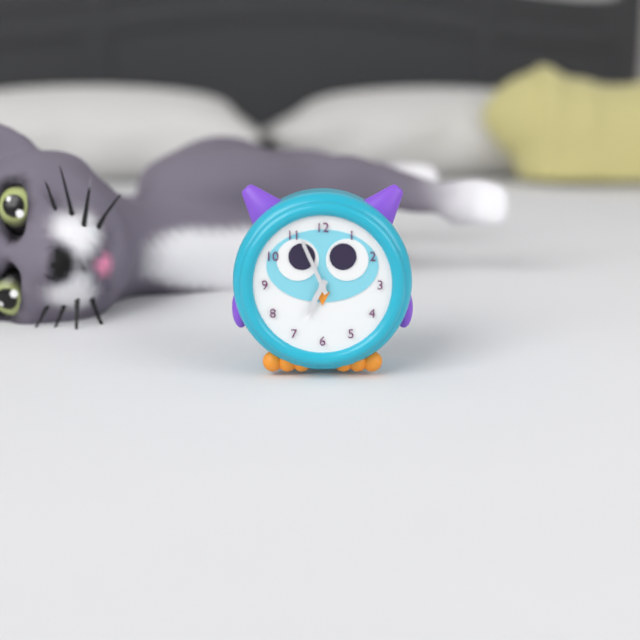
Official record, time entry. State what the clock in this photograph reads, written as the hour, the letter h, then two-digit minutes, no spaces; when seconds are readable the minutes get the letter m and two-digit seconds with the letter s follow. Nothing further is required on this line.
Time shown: 6h56
